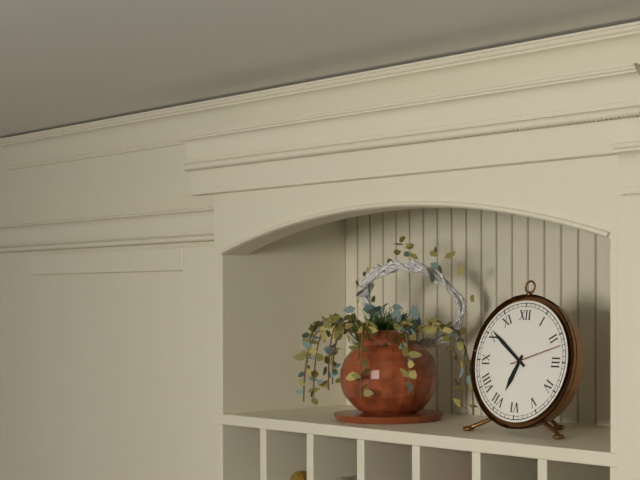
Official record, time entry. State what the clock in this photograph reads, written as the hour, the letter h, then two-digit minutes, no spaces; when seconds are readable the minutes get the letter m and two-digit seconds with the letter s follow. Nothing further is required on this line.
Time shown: 6h51m12s
